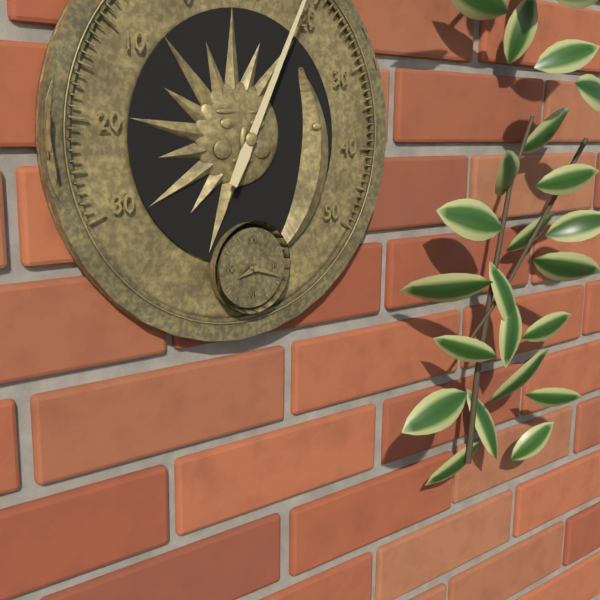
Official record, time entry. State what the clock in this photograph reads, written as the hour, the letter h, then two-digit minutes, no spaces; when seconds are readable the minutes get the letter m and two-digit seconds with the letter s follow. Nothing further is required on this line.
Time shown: 8h18
